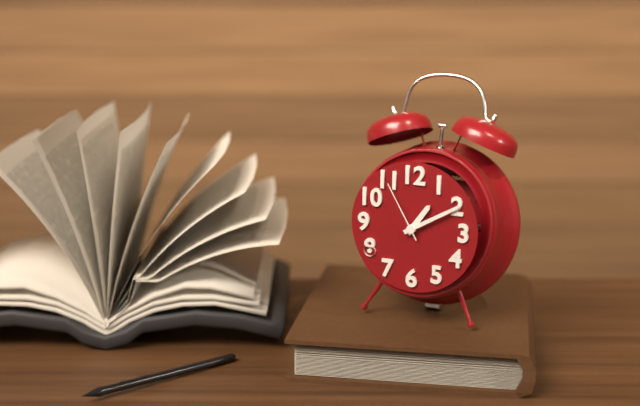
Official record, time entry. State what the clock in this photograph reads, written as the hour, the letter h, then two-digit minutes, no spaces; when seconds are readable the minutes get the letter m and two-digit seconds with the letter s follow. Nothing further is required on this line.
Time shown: 1h10m55s
